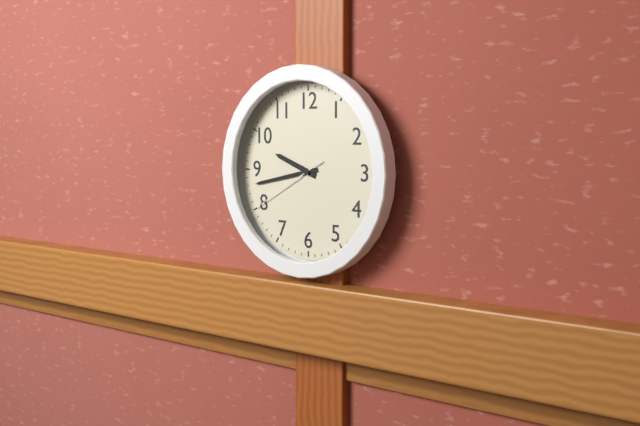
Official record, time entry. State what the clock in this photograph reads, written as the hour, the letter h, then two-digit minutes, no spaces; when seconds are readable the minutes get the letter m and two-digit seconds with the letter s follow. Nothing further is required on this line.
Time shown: 9h43m40s
